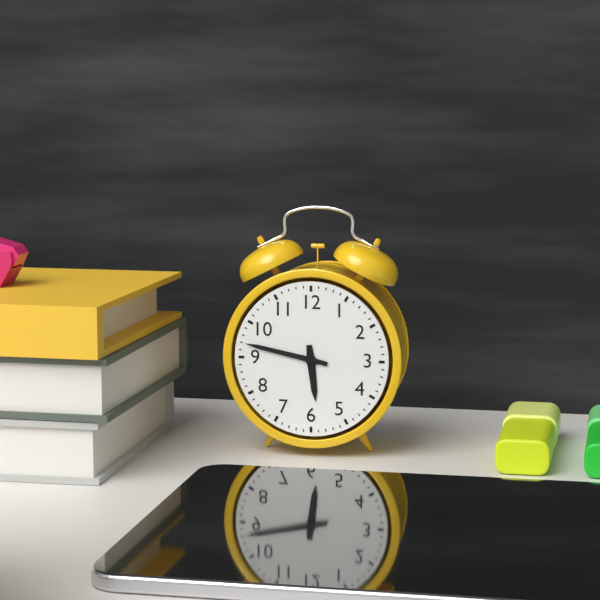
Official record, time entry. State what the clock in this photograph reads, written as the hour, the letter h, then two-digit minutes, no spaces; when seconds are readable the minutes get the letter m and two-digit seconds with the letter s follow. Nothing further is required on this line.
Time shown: 5h47
